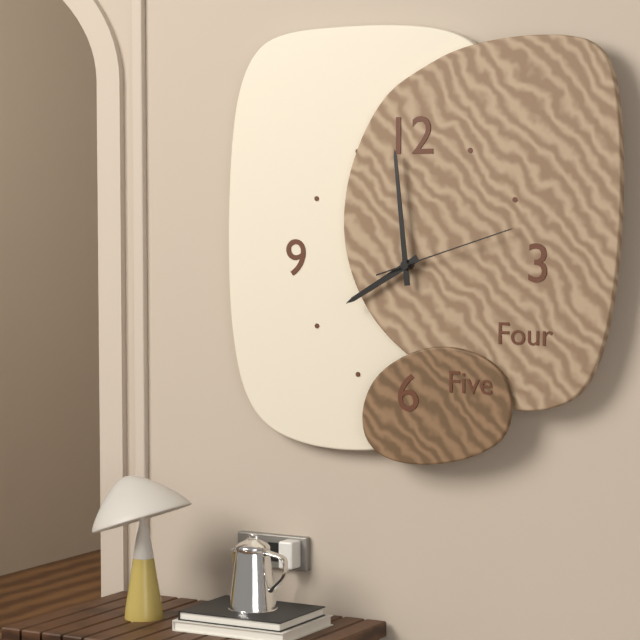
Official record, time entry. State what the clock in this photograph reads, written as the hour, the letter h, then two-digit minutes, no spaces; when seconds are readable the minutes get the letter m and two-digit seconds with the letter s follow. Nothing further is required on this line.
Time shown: 7h59m12s
